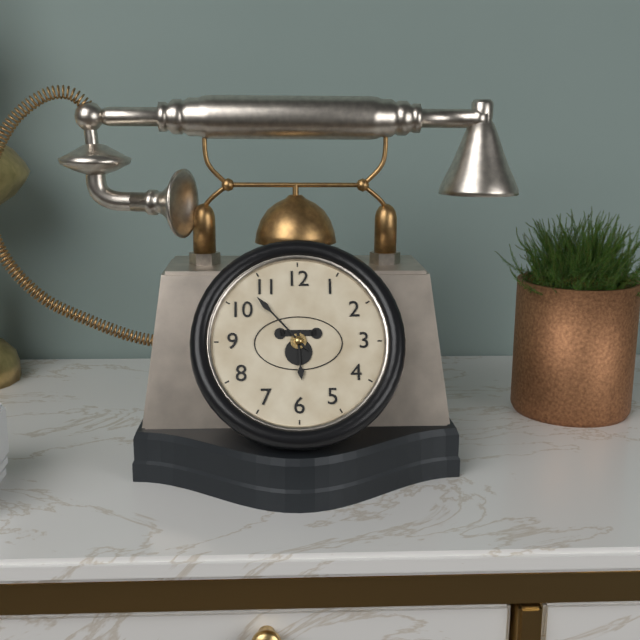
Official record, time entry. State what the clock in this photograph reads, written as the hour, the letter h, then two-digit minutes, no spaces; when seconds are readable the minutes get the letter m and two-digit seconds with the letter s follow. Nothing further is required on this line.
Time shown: 5h53
